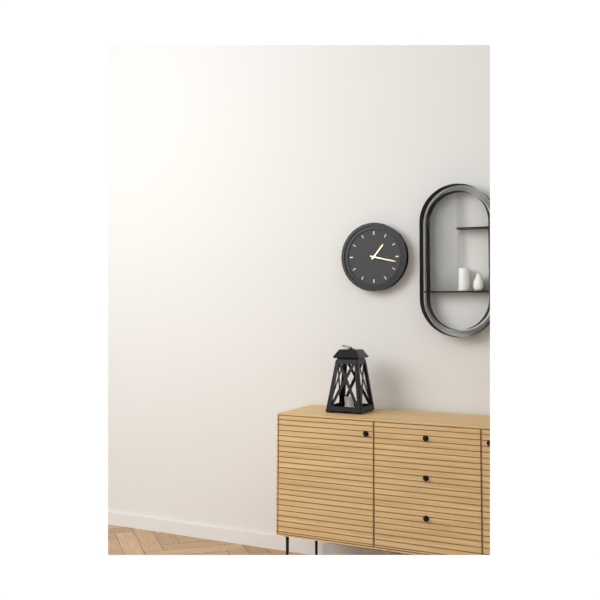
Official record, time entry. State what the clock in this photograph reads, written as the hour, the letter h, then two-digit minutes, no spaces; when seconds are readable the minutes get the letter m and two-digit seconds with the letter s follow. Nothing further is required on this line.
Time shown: 1h17
